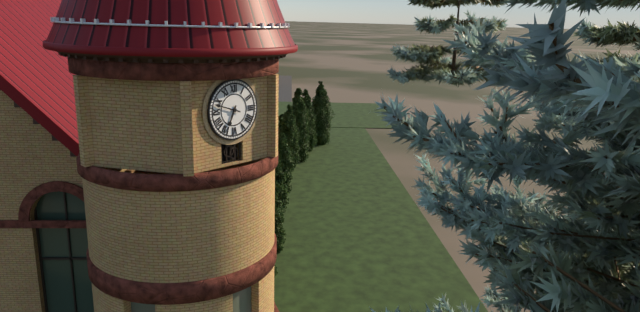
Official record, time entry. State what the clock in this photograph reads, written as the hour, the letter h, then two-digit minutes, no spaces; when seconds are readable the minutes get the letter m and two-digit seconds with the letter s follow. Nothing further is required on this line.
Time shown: 6h48
